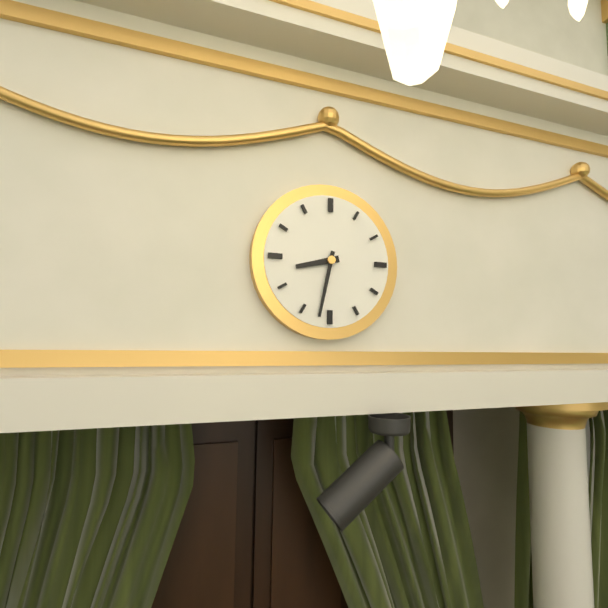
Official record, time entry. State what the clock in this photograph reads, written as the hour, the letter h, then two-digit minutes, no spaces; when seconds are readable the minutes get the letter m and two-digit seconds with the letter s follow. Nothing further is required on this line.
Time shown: 8h32
